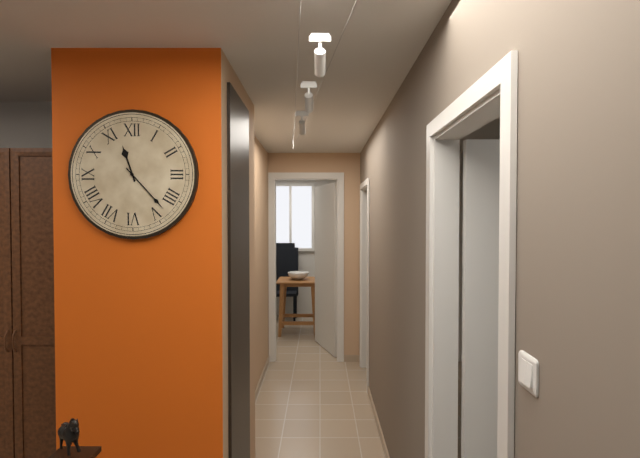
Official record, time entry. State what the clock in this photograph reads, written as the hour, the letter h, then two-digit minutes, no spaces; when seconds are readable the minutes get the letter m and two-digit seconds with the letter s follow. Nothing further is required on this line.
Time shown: 11h23
